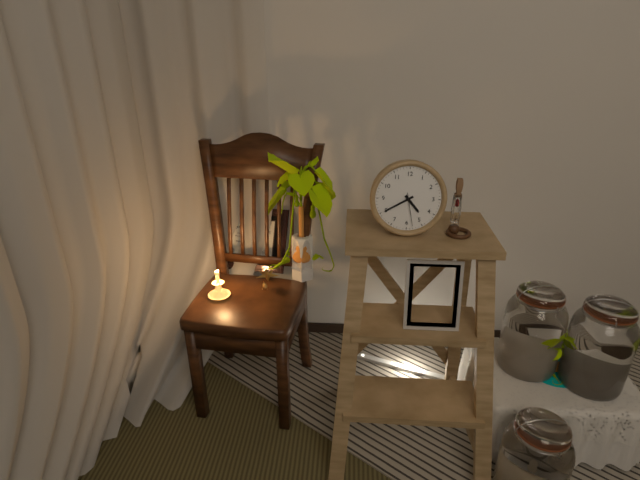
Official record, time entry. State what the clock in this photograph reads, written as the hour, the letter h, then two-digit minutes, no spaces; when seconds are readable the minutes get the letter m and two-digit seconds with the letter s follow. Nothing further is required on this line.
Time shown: 4h40
